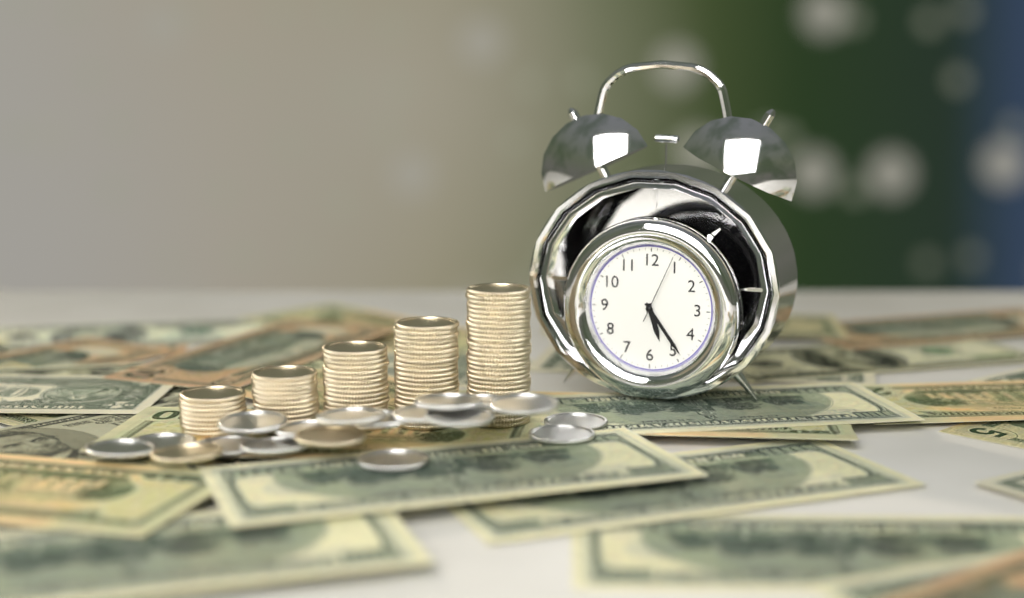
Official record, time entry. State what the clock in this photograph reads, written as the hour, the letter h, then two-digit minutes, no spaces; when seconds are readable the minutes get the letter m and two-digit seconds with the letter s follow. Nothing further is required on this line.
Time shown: 5h24m04s
